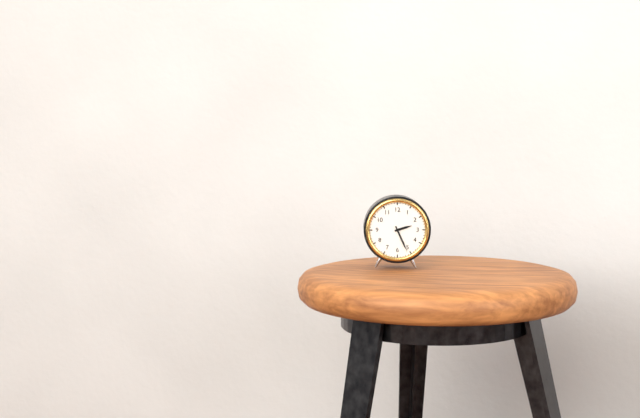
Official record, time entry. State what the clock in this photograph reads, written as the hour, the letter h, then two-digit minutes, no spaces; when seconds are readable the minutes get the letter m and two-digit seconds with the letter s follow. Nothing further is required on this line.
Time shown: 2h26
